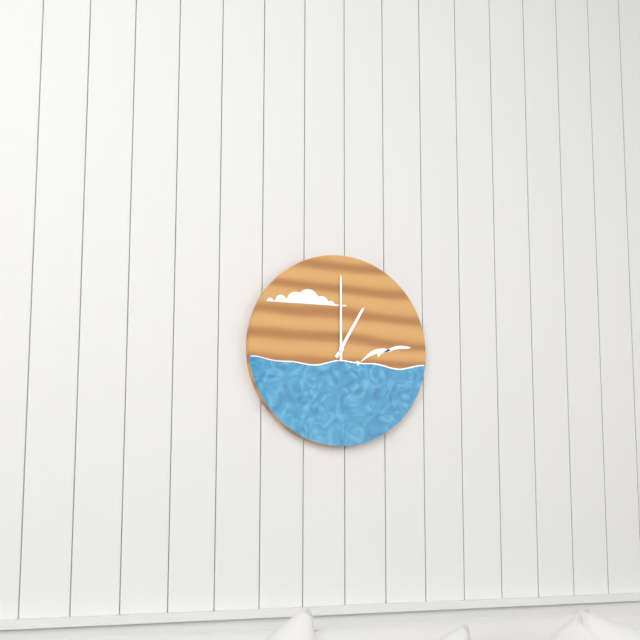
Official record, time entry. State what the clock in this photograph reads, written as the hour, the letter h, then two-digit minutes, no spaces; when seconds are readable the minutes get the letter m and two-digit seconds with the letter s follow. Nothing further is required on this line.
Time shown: 1h00
